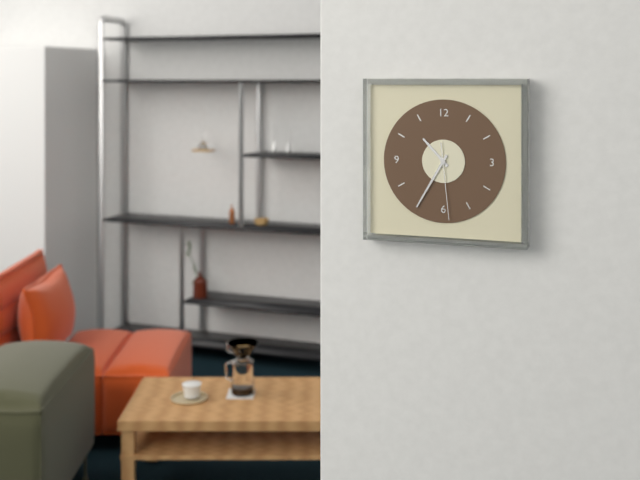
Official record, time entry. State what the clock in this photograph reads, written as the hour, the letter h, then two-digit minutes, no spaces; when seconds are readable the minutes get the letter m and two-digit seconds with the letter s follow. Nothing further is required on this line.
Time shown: 10h35m29s
